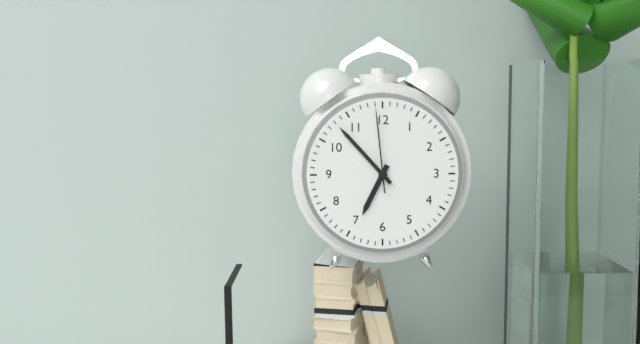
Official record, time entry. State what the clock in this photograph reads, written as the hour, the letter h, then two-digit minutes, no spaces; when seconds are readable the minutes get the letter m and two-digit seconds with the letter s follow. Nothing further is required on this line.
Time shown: 6h53m59s
